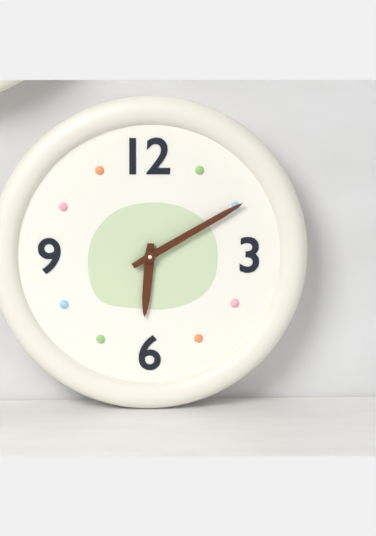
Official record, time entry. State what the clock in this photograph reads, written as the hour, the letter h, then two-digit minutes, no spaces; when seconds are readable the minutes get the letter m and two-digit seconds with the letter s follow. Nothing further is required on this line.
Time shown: 6h10
